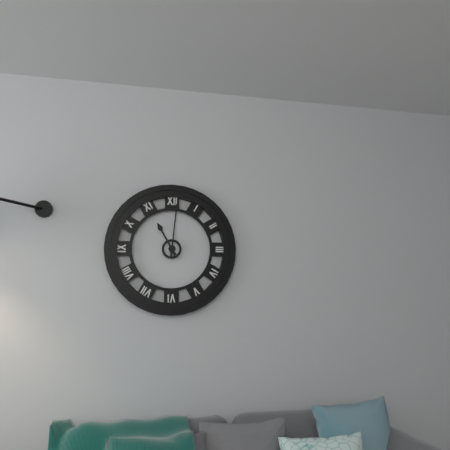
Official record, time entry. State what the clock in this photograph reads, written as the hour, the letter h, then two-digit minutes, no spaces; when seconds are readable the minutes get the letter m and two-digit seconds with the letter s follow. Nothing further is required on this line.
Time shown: 11h01
